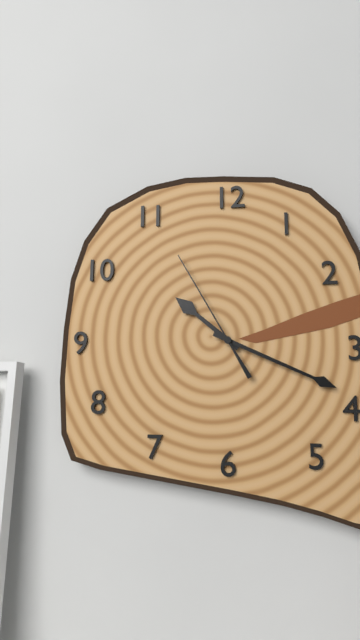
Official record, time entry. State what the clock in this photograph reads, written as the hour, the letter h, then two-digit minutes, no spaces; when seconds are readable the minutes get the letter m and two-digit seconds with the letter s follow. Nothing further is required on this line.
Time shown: 10h19m55s
